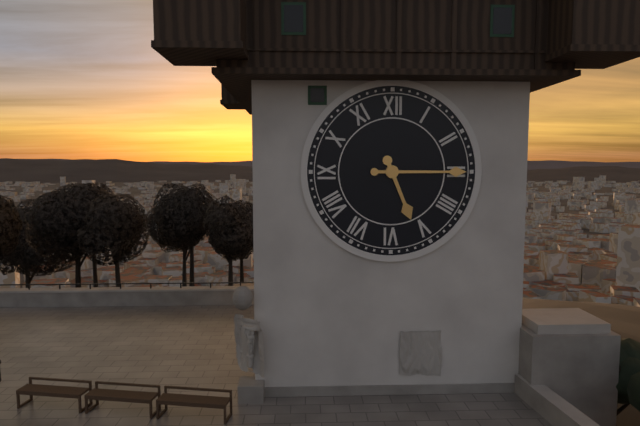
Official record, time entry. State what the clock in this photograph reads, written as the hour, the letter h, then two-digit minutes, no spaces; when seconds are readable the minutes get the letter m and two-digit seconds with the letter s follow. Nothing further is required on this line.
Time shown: 5h15
